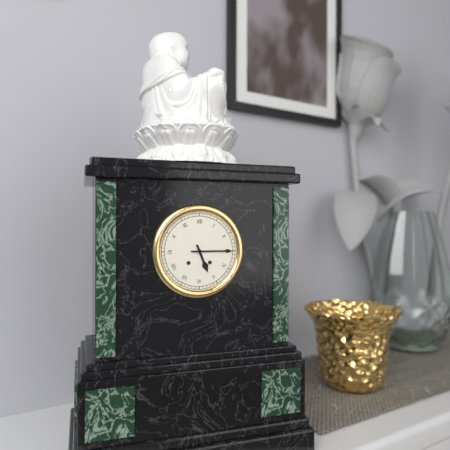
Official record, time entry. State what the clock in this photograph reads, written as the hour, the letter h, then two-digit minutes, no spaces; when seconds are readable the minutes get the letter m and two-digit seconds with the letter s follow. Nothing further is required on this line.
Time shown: 5h15
